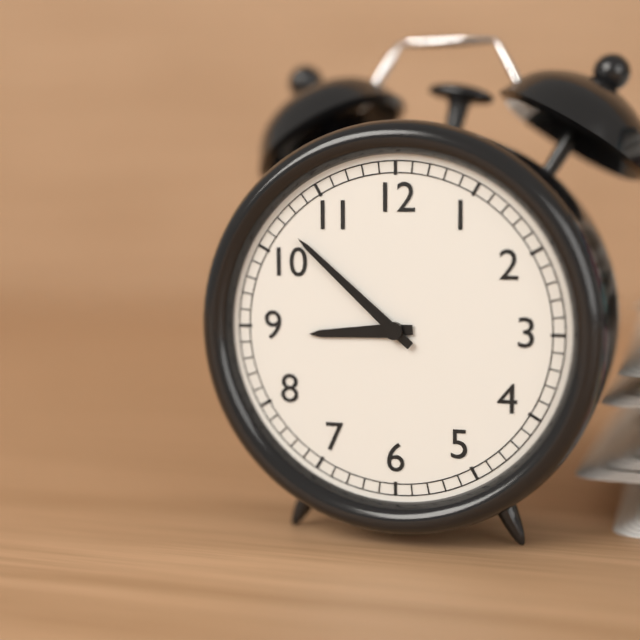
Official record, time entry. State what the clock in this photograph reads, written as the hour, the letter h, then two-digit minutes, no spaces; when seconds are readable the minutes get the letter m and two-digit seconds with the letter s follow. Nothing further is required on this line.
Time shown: 8h52
